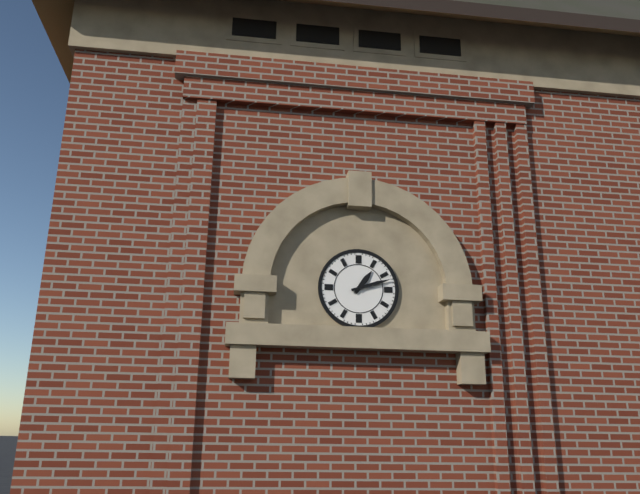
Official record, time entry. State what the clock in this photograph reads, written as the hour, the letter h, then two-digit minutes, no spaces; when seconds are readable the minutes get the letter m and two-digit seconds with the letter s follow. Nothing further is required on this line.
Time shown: 1h12
